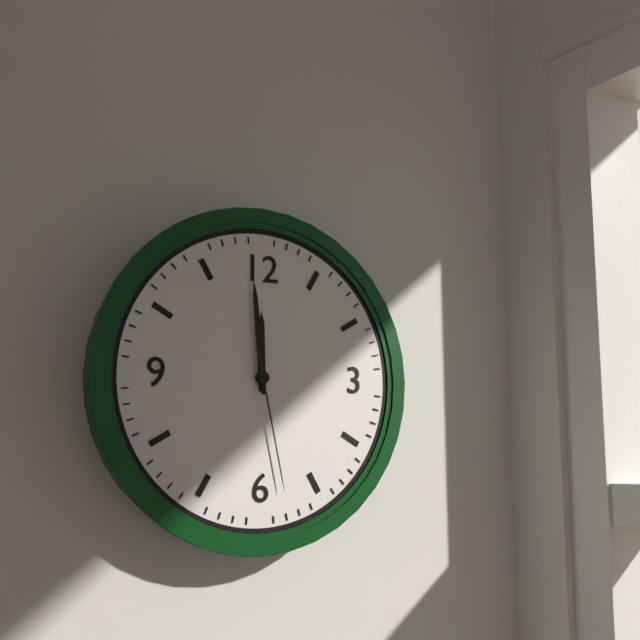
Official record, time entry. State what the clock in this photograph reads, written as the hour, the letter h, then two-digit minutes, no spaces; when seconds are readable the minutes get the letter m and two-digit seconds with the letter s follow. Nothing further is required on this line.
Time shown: 11h59m28s
